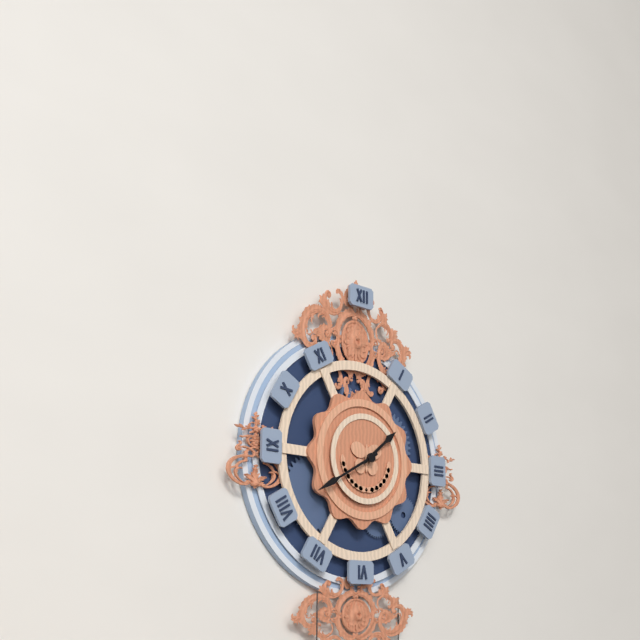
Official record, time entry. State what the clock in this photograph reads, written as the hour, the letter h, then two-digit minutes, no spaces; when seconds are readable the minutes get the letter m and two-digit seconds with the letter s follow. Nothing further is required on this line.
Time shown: 1h40
